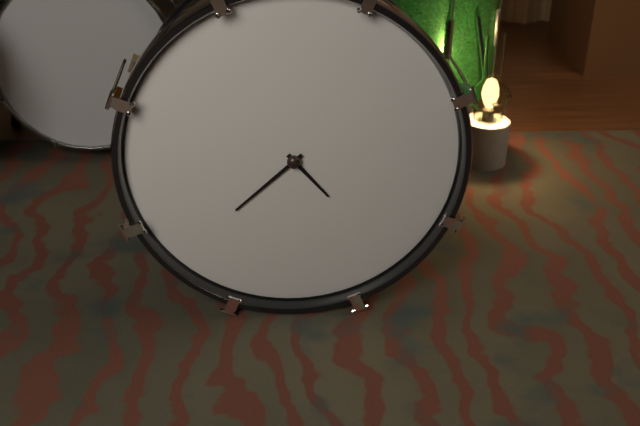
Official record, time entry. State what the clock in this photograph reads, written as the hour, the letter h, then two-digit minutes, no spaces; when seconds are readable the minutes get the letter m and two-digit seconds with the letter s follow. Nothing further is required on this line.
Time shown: 4h38
